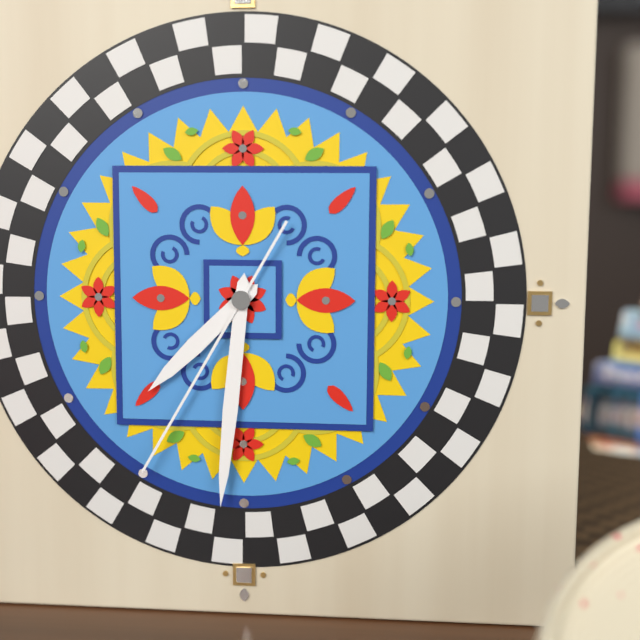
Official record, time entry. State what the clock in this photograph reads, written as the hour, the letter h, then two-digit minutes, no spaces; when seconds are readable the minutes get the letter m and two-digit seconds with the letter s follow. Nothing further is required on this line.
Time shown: 7h31m35s
